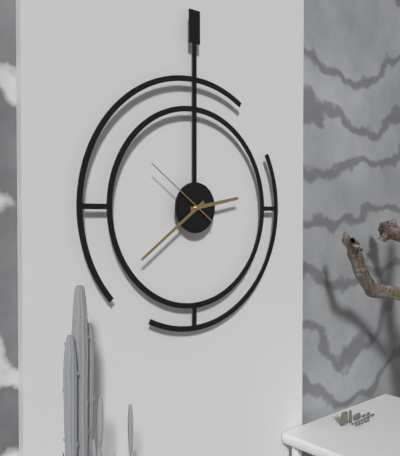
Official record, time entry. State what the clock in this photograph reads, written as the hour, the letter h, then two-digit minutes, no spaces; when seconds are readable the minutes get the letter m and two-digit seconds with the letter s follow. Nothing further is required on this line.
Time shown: 2h39m51s
